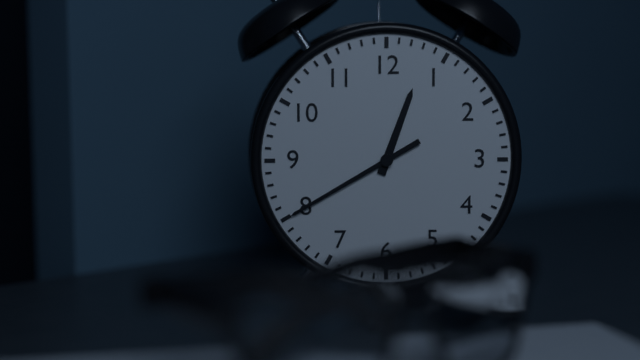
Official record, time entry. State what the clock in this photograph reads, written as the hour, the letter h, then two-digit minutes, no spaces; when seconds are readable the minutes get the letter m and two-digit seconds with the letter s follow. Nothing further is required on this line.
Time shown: 12h40
